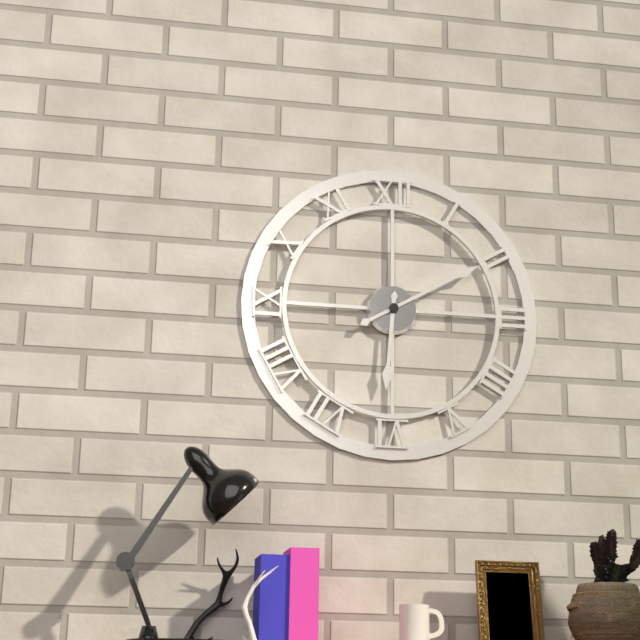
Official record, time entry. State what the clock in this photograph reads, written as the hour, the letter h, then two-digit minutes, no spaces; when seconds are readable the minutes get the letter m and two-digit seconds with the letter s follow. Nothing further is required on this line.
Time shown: 6h10
